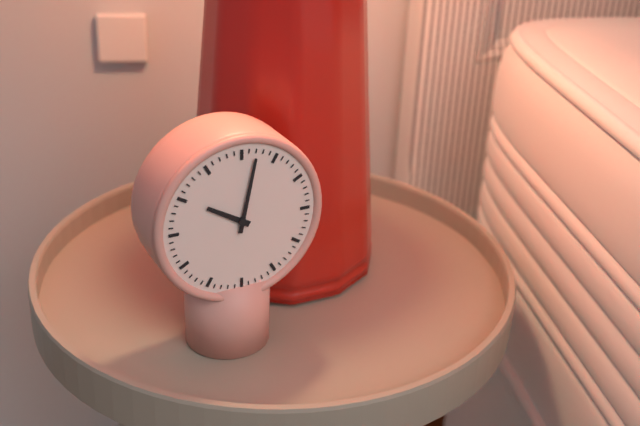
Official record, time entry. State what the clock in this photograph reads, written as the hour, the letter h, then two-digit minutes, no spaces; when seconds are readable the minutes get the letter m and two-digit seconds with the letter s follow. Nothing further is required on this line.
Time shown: 10h02
